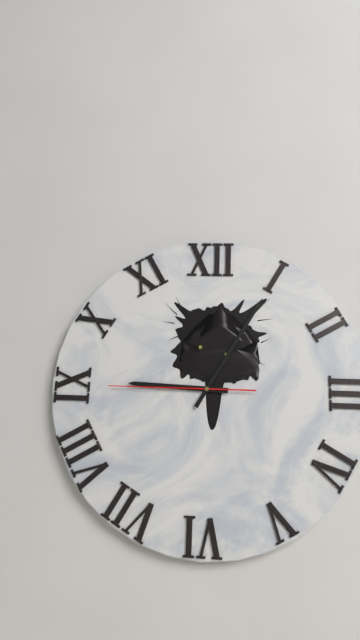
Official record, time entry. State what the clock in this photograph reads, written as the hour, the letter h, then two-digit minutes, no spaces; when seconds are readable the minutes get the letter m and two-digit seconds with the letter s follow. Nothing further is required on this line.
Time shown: 9h05m45s
